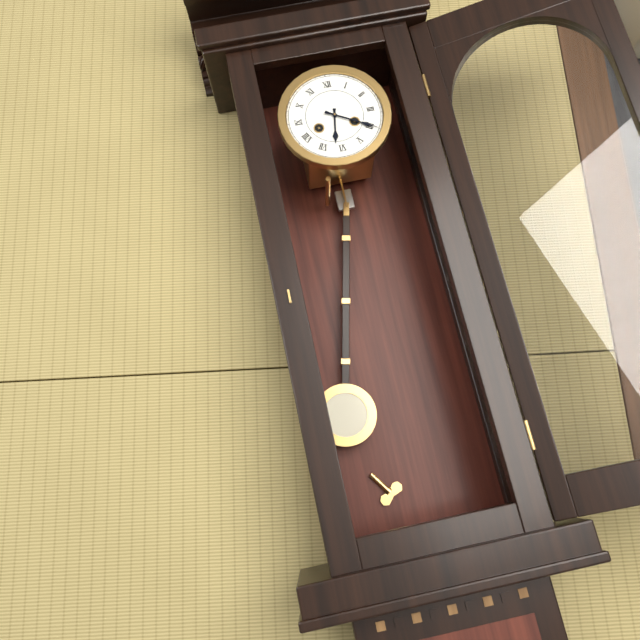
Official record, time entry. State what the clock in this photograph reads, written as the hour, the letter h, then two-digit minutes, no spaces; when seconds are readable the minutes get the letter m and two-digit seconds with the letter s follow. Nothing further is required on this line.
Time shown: 6h20
